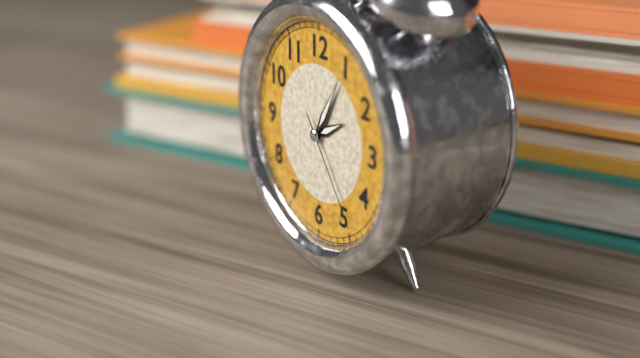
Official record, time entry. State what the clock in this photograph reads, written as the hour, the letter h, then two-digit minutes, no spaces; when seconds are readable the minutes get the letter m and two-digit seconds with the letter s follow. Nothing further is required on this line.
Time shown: 2h05m24s
